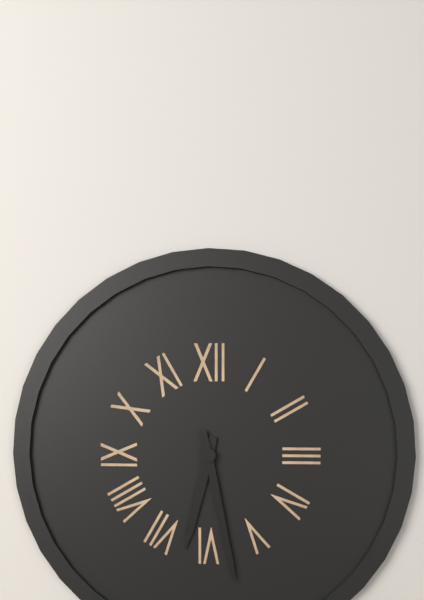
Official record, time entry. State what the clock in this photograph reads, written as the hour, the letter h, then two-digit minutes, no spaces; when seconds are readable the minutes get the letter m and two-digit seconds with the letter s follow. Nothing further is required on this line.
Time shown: 6h28
